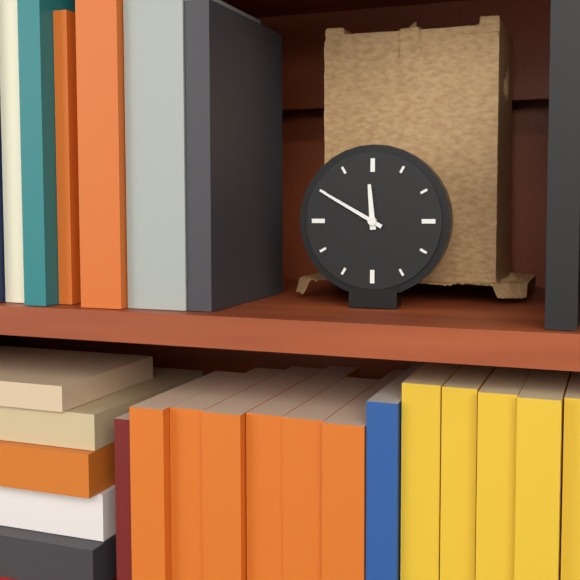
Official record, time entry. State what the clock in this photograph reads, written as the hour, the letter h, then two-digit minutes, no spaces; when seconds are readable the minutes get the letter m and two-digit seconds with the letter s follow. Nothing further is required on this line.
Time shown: 11h50
